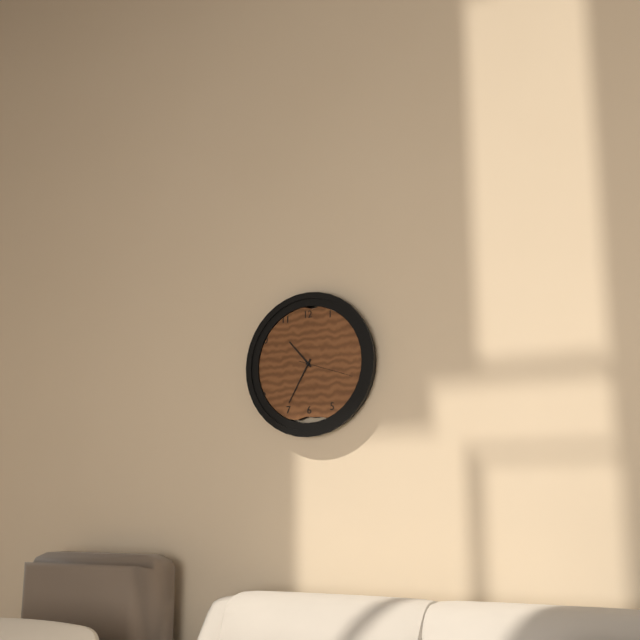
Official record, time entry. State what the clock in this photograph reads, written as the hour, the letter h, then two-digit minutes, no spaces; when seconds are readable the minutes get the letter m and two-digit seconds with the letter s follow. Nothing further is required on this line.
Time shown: 10h35m18s
